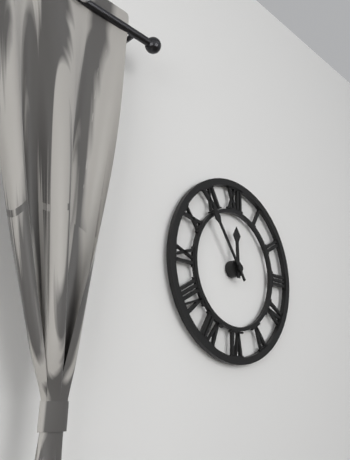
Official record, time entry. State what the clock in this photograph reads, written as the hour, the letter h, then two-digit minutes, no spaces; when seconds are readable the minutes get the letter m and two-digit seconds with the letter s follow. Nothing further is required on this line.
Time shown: 11h54
